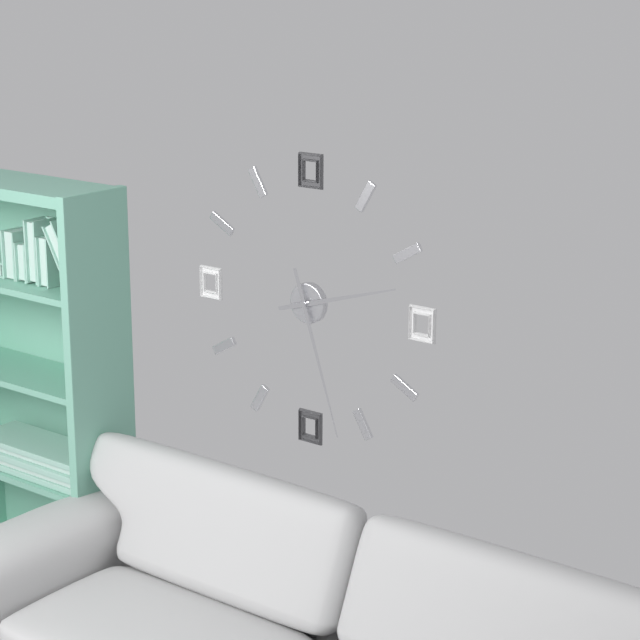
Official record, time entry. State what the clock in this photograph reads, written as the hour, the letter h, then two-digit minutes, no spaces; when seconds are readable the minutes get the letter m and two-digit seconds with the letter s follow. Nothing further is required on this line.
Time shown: 2h27
